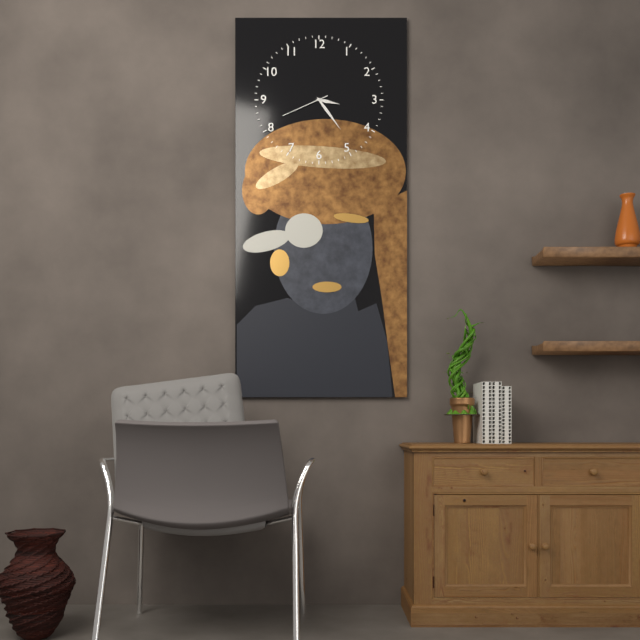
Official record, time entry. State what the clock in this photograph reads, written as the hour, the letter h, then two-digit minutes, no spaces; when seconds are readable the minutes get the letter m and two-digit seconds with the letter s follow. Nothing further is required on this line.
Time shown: 3h24
